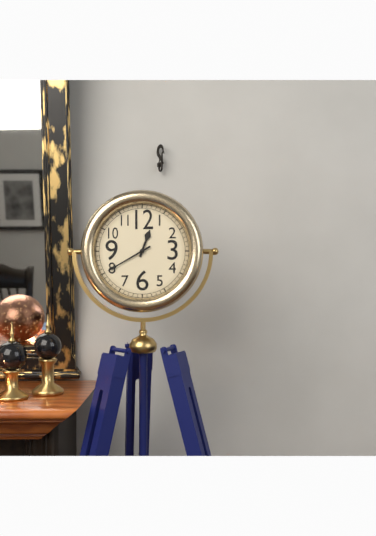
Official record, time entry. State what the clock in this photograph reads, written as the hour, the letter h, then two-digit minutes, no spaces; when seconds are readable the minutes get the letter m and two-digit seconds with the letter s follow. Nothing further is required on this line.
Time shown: 12h40
